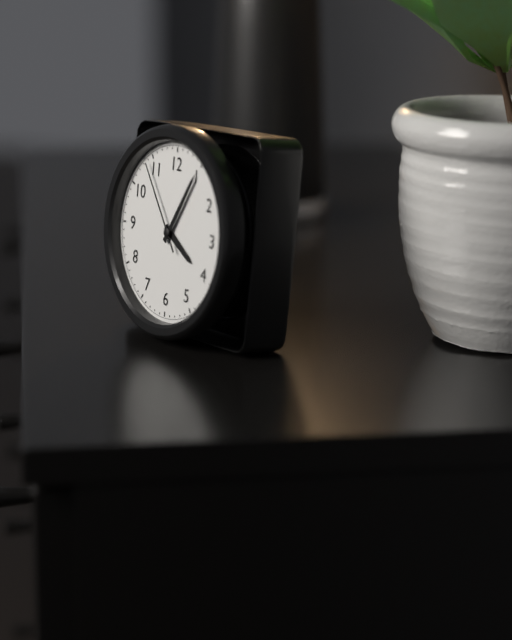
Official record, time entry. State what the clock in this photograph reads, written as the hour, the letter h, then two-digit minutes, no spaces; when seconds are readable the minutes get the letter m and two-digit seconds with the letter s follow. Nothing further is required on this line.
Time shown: 4h05m54s
